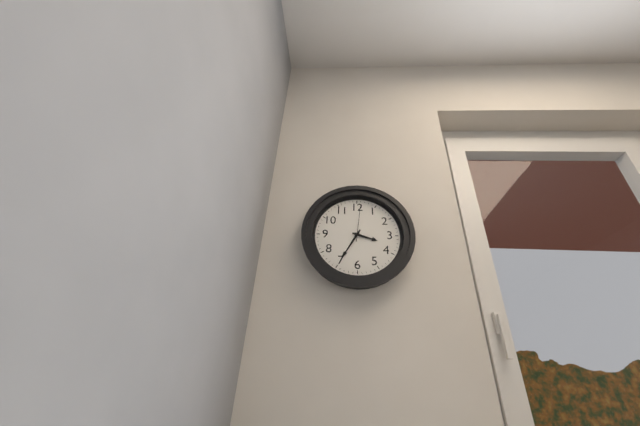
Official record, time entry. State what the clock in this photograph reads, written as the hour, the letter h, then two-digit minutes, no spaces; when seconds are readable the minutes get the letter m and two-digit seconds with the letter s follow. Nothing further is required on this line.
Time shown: 3h35
